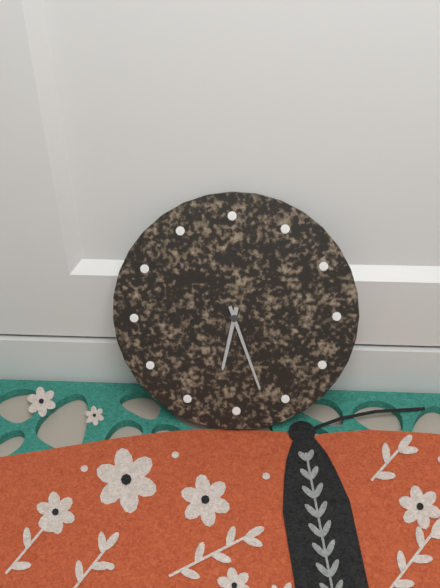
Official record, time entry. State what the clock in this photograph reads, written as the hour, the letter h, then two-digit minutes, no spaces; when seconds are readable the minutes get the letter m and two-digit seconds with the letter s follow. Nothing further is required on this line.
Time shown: 6h27
